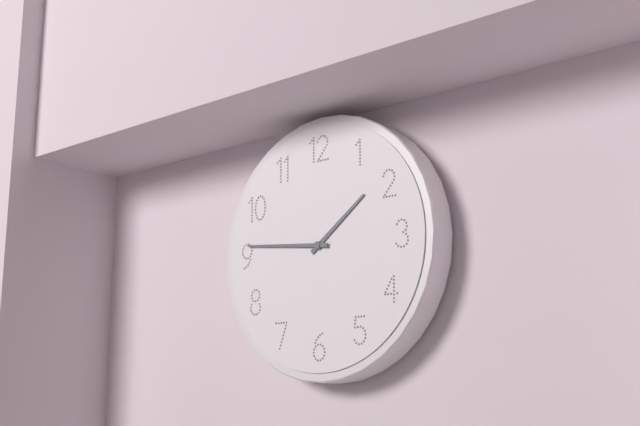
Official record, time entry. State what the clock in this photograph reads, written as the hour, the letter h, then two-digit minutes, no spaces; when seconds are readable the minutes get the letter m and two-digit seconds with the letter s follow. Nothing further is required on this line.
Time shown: 1h46
